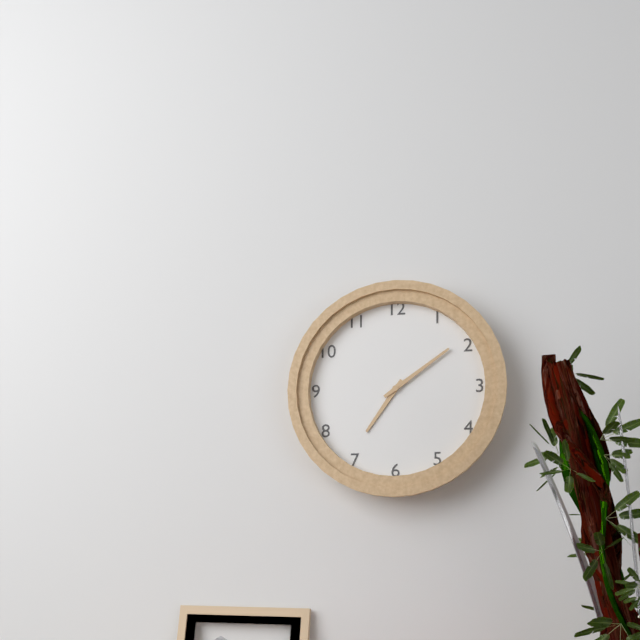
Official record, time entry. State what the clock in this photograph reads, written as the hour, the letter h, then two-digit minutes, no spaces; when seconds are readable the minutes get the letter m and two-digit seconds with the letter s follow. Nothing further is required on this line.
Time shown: 7h09
